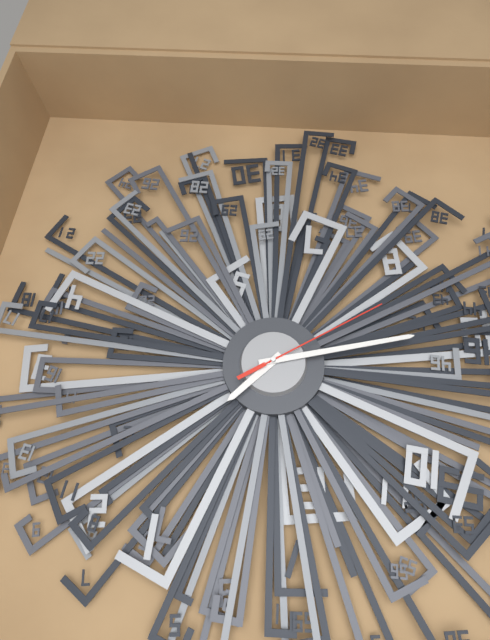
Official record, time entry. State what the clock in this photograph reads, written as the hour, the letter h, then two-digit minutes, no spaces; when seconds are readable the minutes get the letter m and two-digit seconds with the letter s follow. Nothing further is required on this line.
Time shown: 1h44m41s
